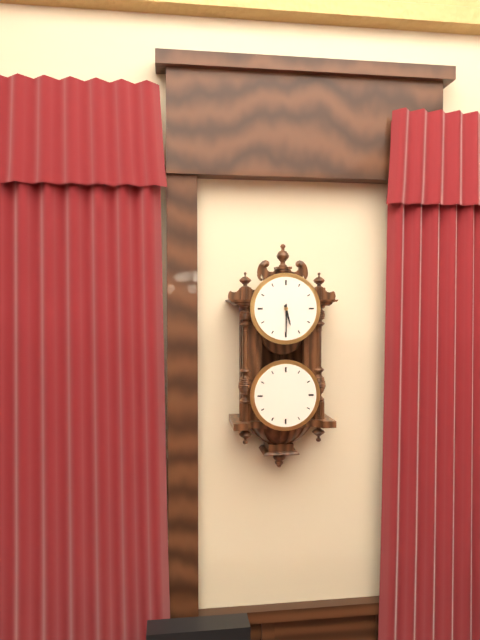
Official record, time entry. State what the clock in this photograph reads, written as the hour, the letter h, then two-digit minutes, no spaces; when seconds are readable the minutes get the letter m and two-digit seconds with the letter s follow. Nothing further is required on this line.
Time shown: 5h30
